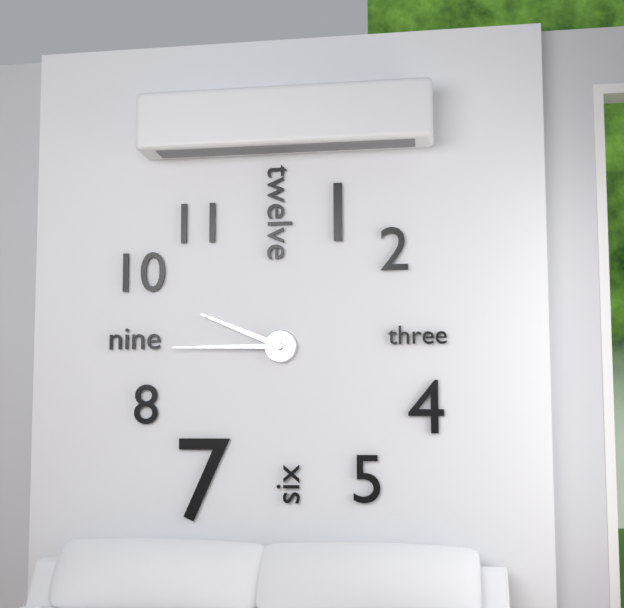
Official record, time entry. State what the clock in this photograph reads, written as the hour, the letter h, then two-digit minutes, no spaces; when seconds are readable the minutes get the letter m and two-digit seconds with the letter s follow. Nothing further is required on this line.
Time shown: 9h45
